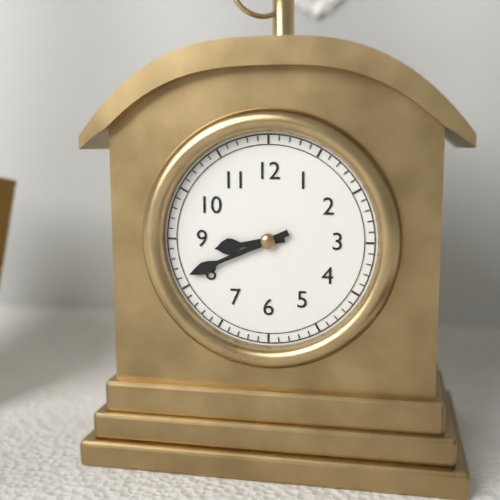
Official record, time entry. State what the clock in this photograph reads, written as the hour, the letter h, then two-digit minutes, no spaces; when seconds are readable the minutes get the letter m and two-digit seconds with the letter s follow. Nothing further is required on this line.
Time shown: 8h41
